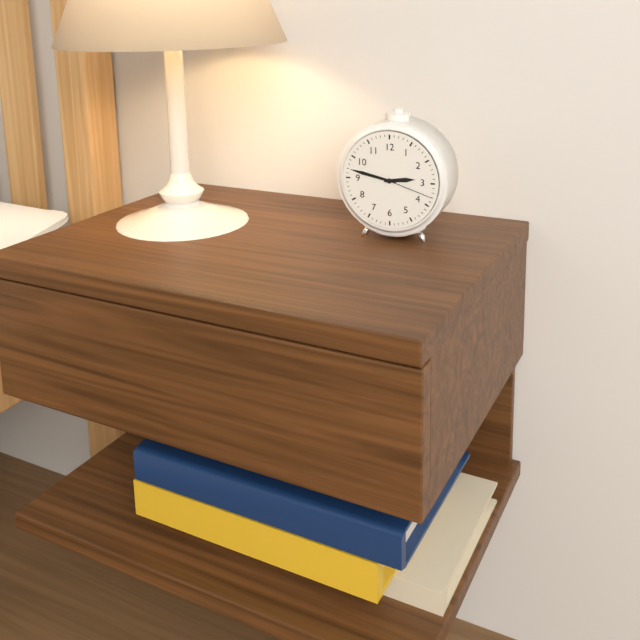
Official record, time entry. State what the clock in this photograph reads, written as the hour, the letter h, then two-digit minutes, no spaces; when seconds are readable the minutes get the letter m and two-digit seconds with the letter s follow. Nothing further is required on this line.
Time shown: 2h47m18s
